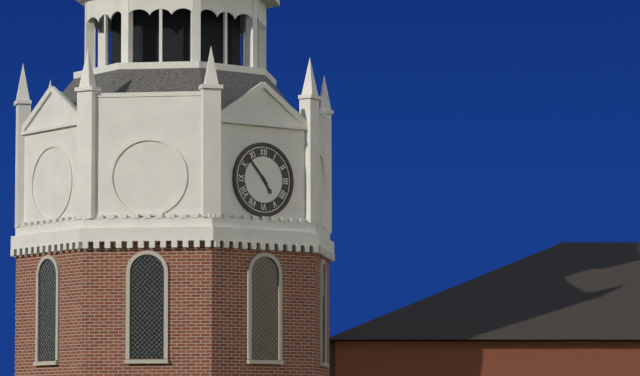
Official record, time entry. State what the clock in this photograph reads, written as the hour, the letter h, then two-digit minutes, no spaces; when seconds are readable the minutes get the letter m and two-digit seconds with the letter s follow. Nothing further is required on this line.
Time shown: 4h53
